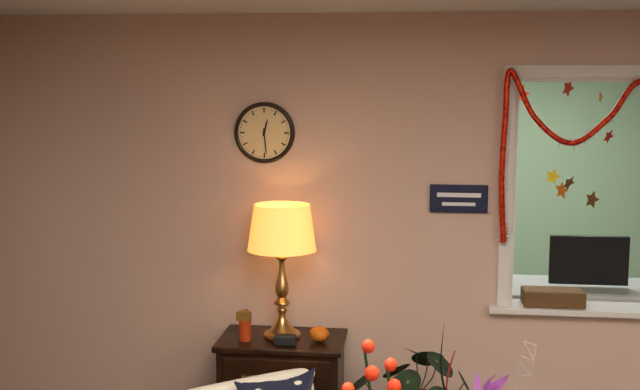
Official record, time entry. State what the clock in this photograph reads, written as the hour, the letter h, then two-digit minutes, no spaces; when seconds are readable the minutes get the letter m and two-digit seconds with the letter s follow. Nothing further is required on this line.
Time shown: 12h29
